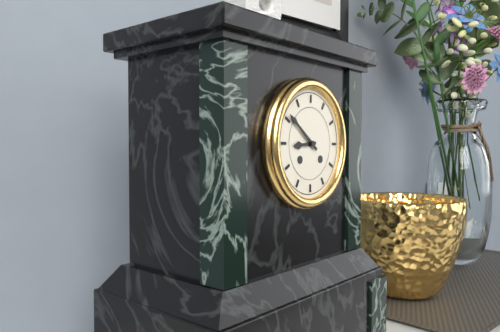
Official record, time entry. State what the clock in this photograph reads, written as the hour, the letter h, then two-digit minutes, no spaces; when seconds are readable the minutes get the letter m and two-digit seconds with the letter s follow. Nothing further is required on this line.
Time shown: 8h51
